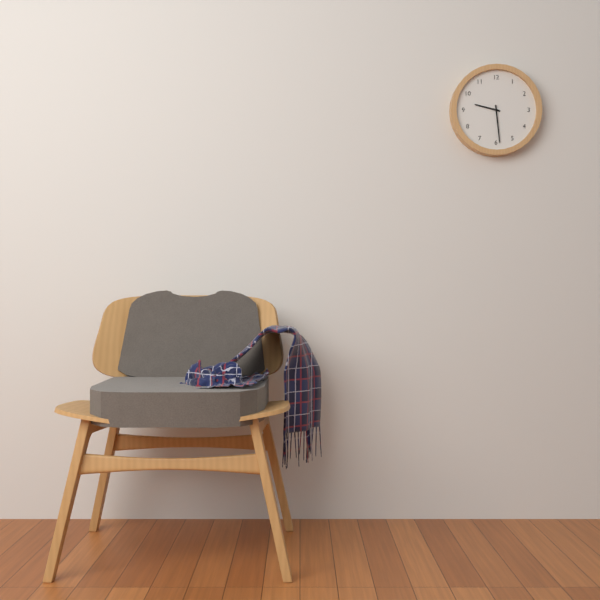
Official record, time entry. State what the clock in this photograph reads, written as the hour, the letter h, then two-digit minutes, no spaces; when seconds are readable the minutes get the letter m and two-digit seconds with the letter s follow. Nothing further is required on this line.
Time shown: 9h29
